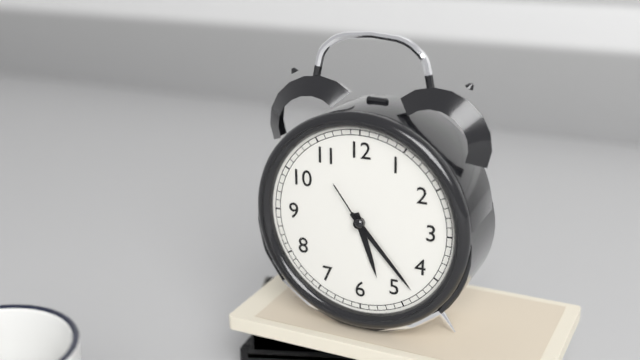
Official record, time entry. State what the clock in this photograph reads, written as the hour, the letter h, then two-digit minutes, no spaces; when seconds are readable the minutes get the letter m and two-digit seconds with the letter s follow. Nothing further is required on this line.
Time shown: 5h23m54s
